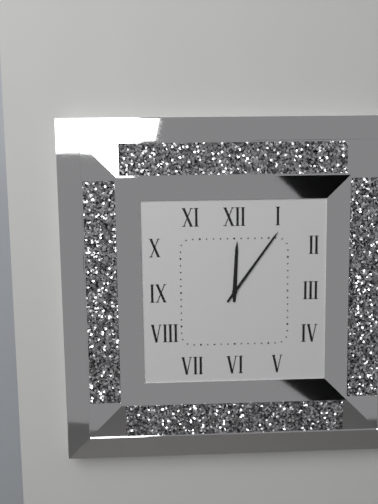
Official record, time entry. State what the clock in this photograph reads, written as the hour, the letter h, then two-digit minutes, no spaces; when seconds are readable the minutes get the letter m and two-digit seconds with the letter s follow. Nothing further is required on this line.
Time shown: 12h06
